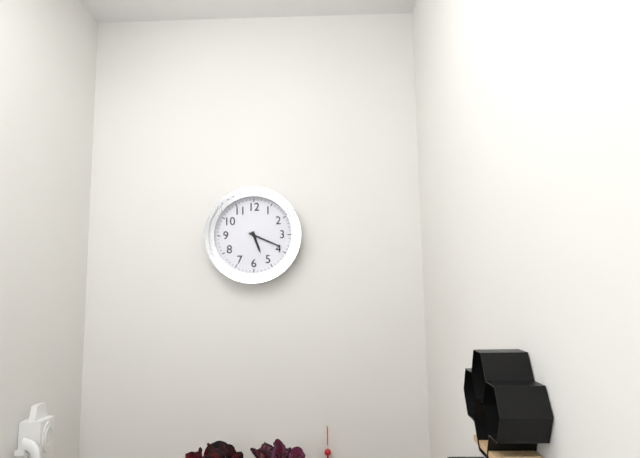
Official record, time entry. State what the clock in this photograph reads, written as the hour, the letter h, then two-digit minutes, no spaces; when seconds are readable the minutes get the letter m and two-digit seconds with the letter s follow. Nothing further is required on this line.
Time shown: 5h19
